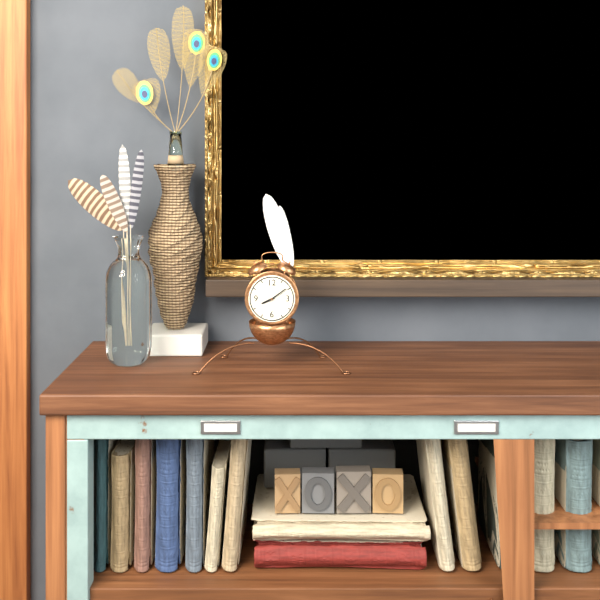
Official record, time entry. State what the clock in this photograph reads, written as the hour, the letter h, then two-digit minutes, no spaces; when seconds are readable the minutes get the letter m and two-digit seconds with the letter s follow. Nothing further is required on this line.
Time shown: 8h09
